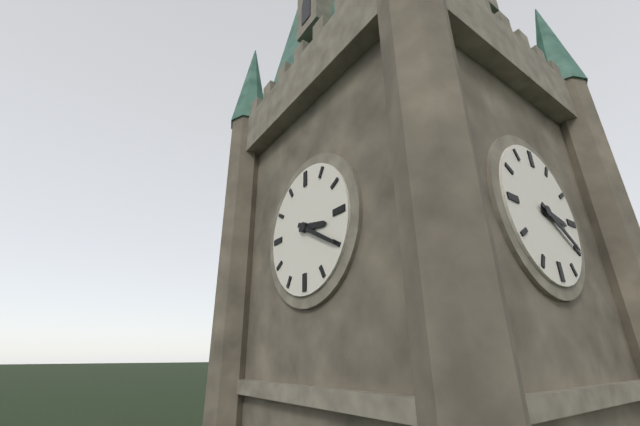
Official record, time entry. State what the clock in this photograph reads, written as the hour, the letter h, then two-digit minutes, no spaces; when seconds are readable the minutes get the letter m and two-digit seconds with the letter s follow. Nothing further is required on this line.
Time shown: 3h20
